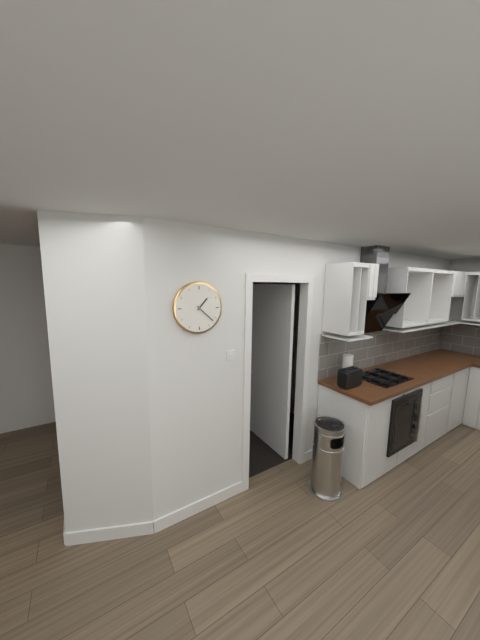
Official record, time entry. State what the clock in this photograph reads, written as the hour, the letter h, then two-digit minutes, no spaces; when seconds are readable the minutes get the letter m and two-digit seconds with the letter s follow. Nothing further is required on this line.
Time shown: 1h22
